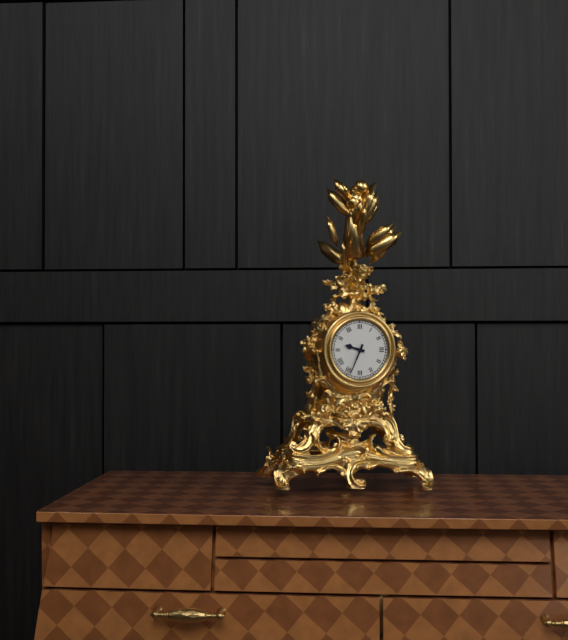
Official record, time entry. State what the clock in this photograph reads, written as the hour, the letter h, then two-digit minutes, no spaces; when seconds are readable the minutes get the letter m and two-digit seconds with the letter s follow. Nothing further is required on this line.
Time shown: 9h34
